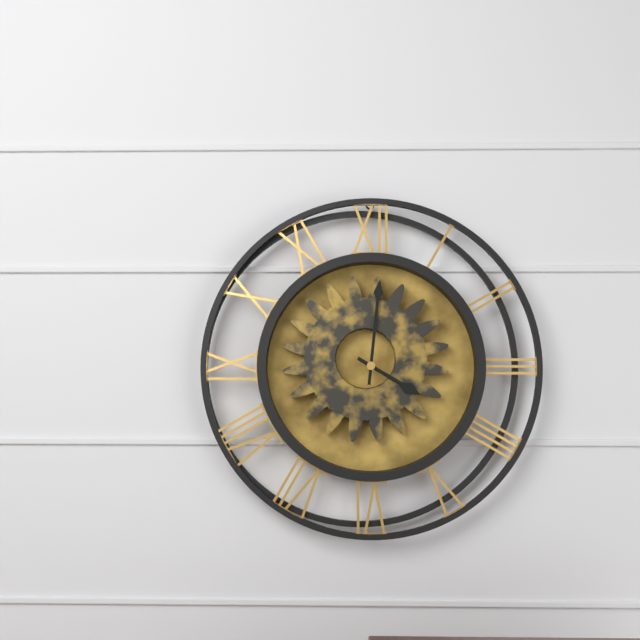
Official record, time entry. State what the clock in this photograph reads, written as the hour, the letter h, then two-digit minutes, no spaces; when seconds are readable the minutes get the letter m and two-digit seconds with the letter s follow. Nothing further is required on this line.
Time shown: 4h01
